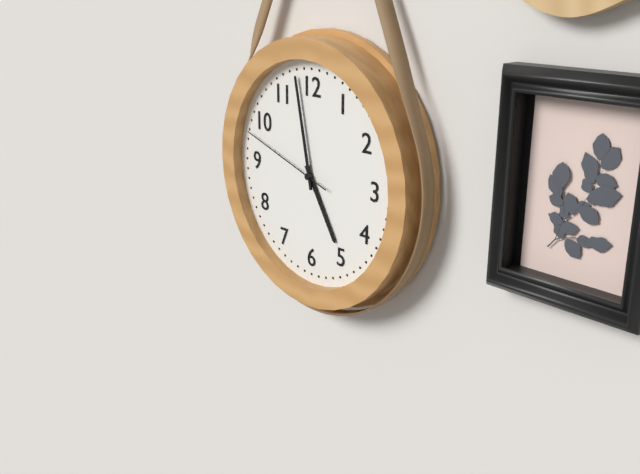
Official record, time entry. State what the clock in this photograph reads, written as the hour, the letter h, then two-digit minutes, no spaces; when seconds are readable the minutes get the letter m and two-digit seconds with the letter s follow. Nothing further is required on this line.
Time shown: 4h58m48s
